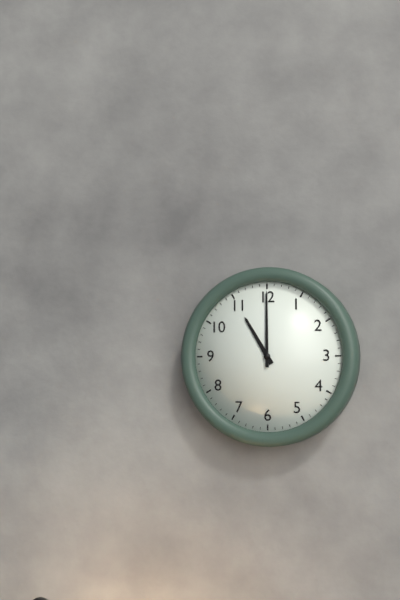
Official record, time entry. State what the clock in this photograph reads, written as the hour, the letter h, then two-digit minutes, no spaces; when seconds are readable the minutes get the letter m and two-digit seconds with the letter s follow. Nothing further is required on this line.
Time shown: 11h00
